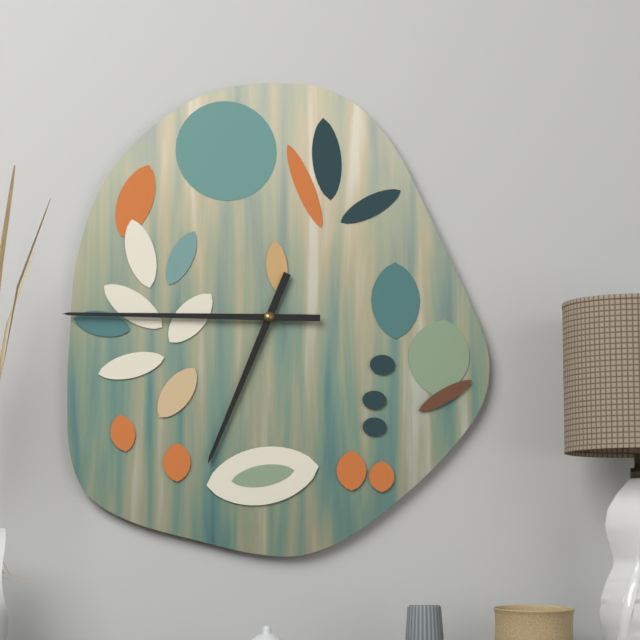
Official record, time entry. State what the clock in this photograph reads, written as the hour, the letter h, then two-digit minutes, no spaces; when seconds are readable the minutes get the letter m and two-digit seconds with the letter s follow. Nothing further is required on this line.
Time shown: 6h45
